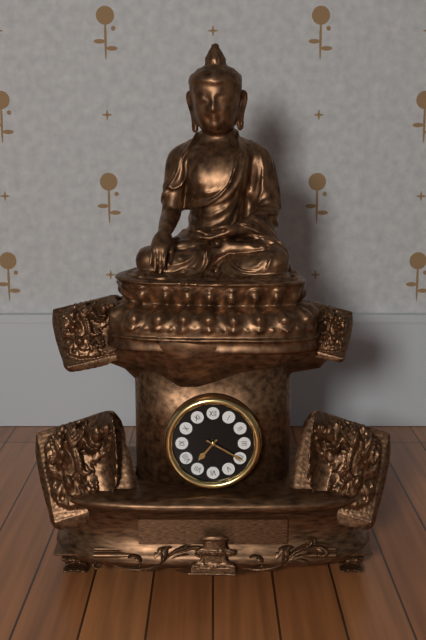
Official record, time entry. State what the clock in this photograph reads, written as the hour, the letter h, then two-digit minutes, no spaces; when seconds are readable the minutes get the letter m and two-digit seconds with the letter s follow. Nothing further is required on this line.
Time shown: 7h20
